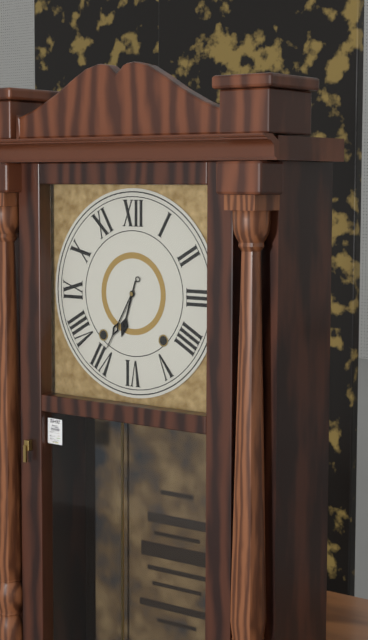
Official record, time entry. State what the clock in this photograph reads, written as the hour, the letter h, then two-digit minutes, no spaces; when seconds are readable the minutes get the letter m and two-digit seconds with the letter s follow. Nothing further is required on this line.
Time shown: 6h35
